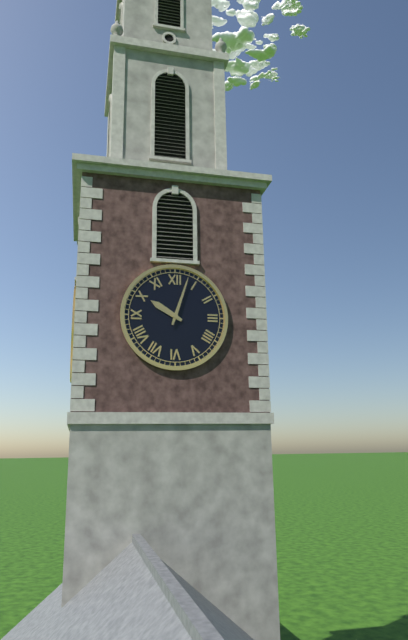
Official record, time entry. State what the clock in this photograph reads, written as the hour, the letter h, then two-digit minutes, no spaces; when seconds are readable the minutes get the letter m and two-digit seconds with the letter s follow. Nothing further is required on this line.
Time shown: 10h03
